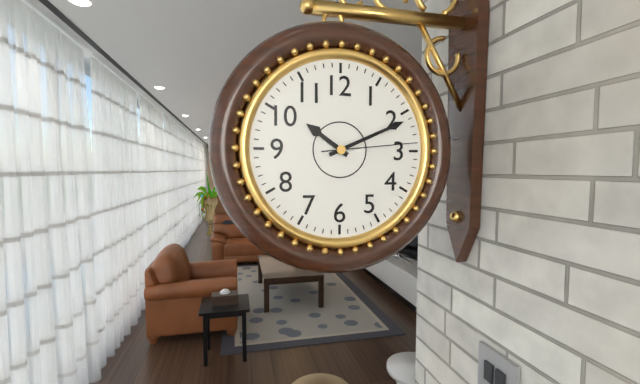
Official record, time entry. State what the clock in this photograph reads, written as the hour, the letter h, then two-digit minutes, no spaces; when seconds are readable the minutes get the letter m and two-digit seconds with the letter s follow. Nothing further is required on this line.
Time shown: 10h11m14s
